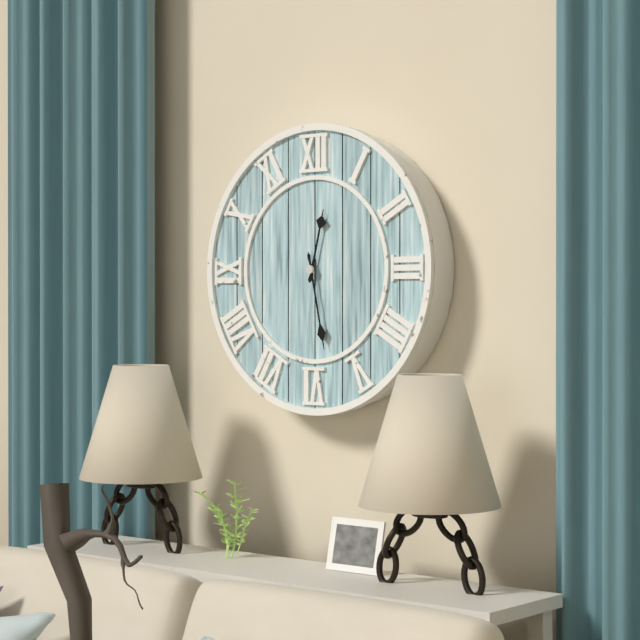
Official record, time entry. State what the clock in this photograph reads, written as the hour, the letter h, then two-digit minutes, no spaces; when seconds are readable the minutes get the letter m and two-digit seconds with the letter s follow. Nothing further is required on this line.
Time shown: 12h28
